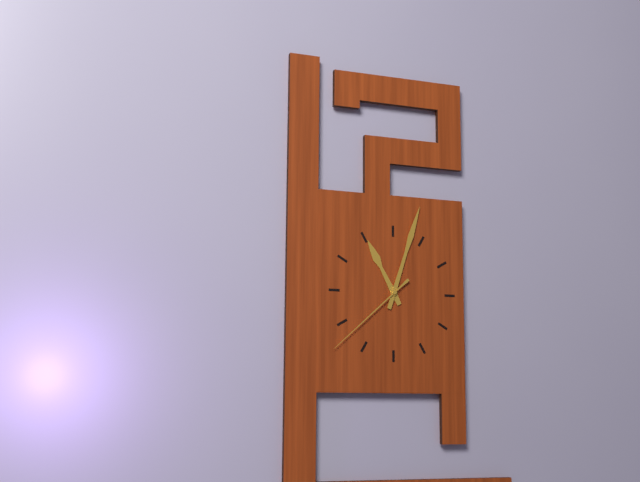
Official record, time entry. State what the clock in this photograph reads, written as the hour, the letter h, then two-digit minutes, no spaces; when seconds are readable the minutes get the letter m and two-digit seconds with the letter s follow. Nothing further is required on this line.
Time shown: 11h03m38s
